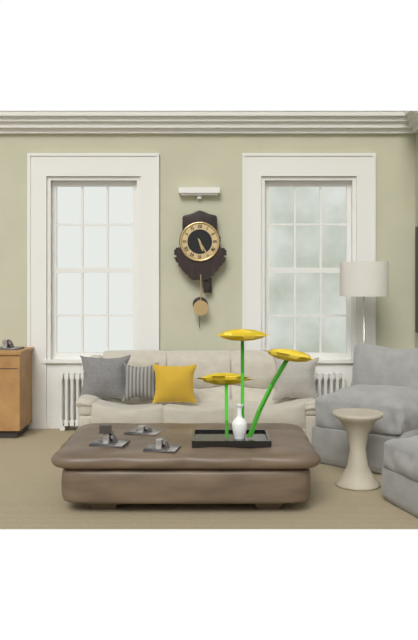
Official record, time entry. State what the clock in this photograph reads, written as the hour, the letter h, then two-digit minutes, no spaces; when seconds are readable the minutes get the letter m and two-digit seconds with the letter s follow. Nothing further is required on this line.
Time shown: 5h25
